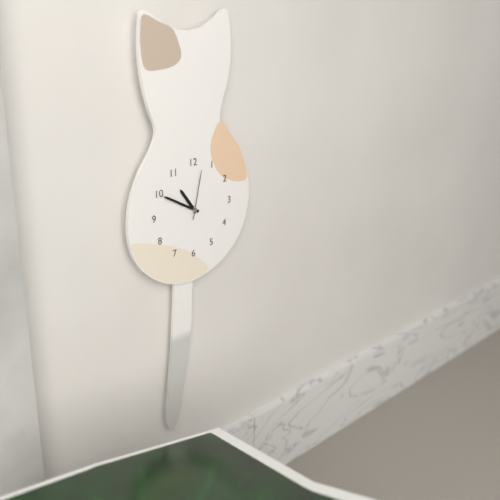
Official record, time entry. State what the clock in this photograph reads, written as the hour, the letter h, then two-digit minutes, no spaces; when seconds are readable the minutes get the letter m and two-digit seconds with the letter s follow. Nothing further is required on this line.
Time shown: 10h50m02s
